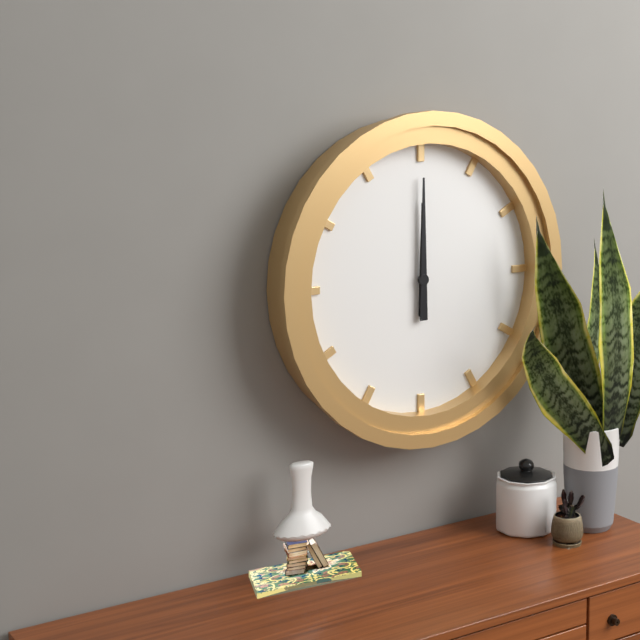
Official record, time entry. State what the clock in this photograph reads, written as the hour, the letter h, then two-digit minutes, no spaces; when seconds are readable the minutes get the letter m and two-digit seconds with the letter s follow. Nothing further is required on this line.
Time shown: 12h00
